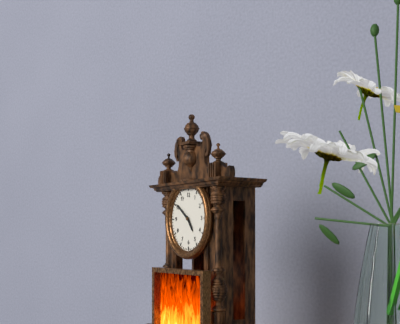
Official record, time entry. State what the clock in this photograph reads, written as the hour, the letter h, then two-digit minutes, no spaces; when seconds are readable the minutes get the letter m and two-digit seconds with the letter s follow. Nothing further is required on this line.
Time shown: 4h51
